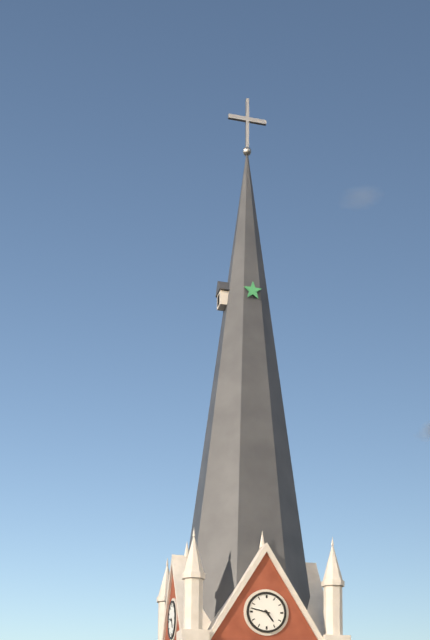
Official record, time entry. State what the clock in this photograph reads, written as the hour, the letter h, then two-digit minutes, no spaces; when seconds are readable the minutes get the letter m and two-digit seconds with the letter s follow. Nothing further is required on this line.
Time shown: 4h47
